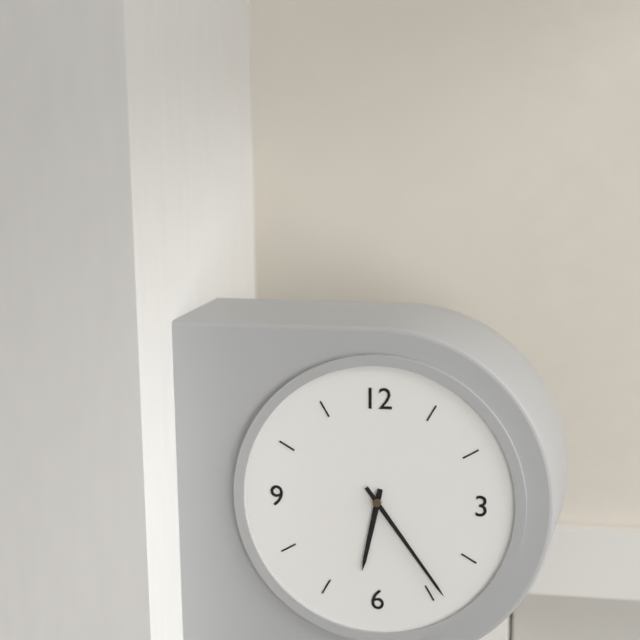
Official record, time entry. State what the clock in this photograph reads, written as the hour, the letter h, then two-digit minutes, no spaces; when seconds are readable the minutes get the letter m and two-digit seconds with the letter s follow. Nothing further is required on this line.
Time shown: 6h24
